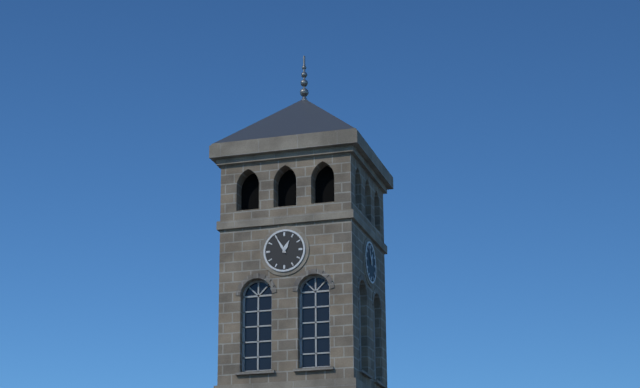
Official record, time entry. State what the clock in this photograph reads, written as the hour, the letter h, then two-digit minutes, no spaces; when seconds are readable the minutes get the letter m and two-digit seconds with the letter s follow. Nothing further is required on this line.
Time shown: 12h55
